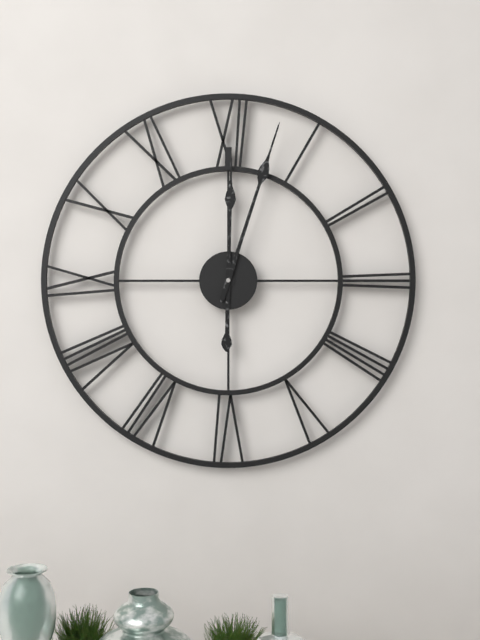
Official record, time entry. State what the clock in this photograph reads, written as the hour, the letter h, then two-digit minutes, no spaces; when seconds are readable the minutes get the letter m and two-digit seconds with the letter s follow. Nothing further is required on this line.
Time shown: 12h03
